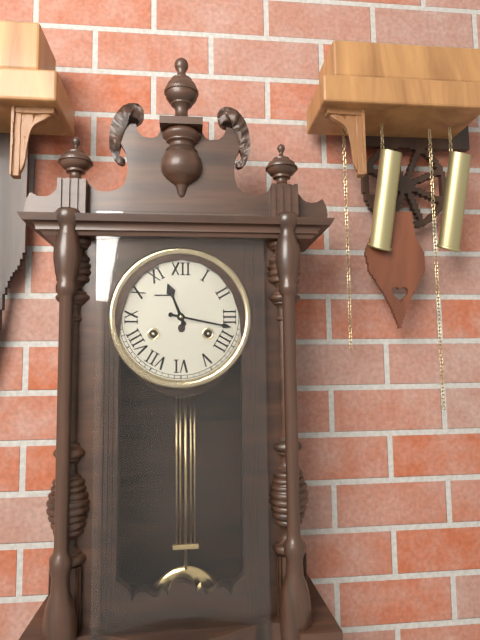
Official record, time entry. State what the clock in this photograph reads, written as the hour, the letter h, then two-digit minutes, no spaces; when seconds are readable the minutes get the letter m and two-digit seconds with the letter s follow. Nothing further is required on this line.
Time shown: 11h17
